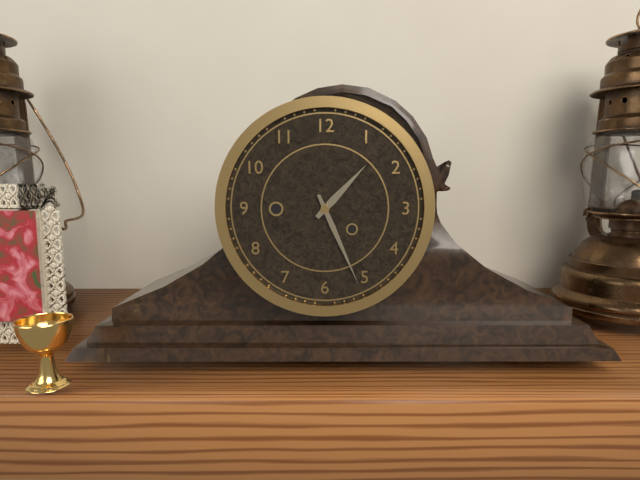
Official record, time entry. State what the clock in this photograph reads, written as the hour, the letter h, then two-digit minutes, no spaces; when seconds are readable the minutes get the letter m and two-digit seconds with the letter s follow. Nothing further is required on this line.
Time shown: 1h26
